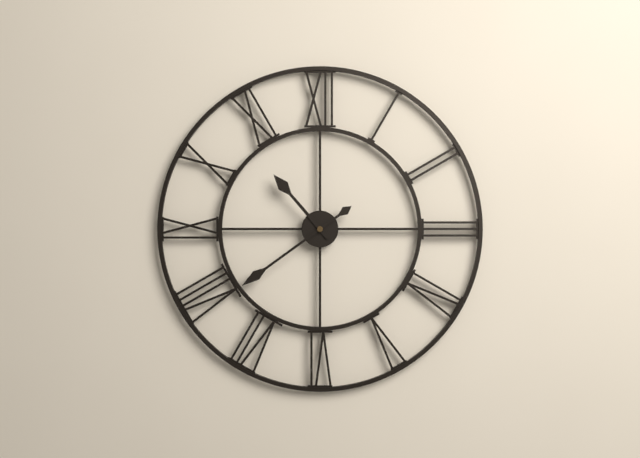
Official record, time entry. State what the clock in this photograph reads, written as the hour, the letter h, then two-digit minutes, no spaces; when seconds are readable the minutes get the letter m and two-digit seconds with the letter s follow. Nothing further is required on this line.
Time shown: 10h39
